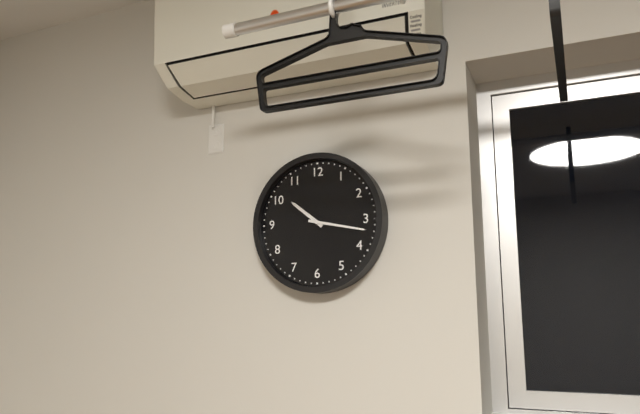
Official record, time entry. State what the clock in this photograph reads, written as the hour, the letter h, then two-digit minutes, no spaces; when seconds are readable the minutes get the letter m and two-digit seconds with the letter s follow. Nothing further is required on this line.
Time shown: 10h17
